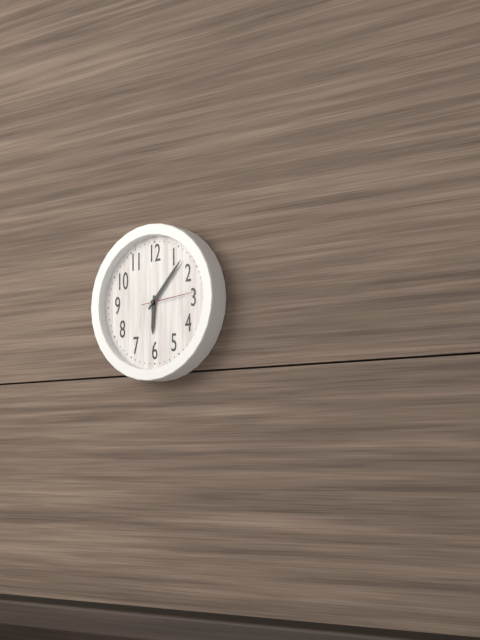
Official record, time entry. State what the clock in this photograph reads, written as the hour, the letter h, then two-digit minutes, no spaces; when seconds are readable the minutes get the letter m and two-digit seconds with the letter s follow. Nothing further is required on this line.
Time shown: 6h07m14s
